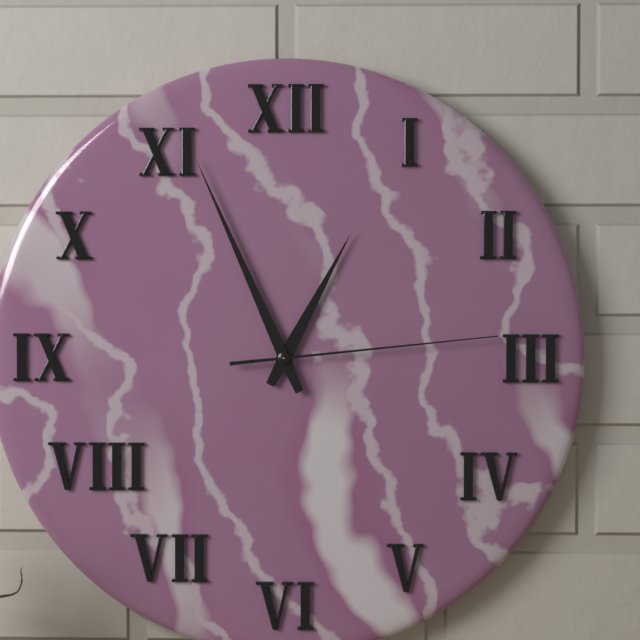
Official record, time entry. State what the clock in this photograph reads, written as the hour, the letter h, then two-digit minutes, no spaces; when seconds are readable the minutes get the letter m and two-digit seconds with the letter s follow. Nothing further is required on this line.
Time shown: 12h56m14s
